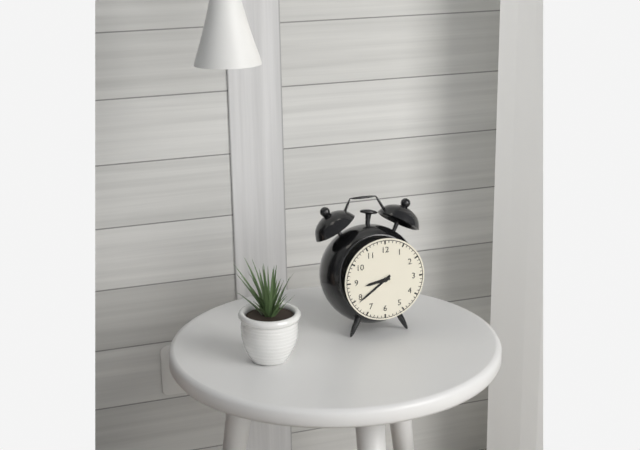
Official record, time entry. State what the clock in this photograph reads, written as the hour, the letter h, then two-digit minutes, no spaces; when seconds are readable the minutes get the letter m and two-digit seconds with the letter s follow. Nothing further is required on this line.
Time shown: 8h39
